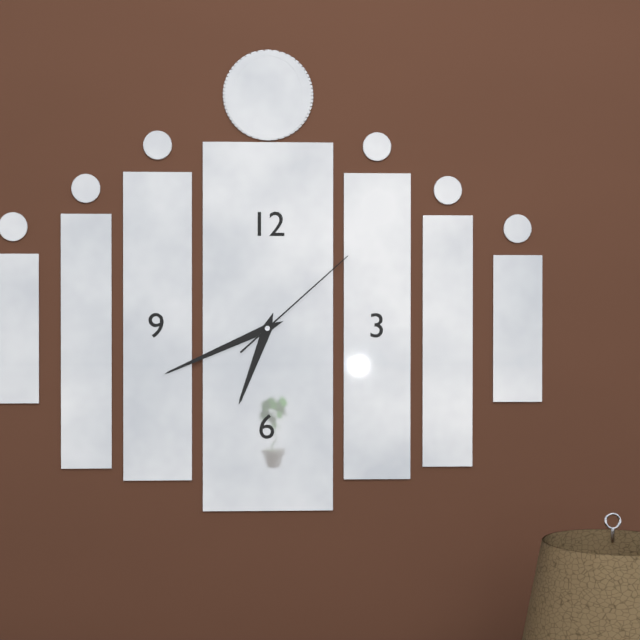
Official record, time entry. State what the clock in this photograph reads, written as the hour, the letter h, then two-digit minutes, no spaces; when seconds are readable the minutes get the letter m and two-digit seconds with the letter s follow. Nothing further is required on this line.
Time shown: 6h41m08s
